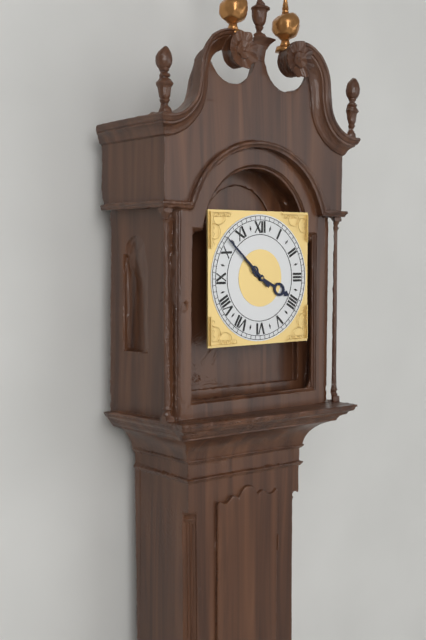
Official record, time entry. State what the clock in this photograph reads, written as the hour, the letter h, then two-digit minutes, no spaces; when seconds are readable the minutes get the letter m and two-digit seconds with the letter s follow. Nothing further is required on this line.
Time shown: 3h52
